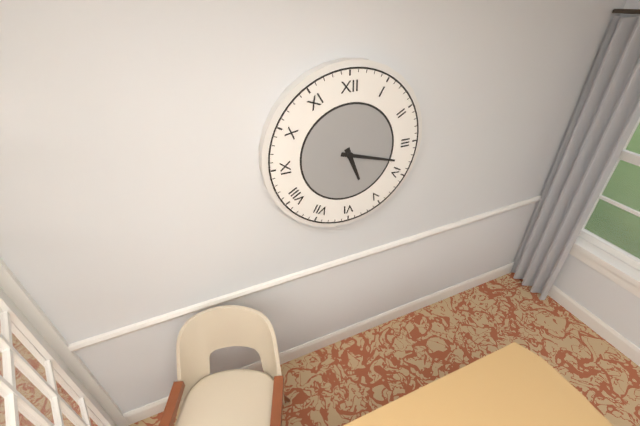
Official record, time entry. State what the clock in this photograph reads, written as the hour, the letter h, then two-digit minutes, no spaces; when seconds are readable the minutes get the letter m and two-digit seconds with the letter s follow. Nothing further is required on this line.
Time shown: 5h18
